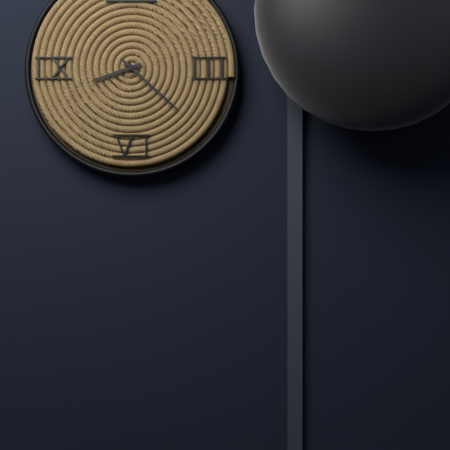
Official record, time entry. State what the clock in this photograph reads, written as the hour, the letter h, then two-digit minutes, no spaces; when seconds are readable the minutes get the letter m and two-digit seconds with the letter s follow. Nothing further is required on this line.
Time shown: 8h22
